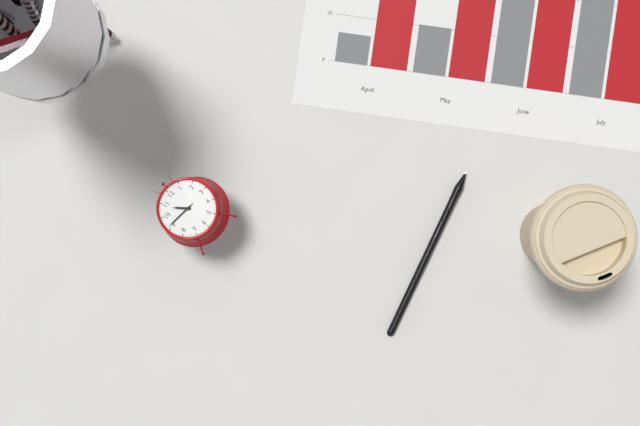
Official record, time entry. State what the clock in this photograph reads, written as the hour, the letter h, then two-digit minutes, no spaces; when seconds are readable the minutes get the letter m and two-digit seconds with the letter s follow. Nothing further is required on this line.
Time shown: 10h46
